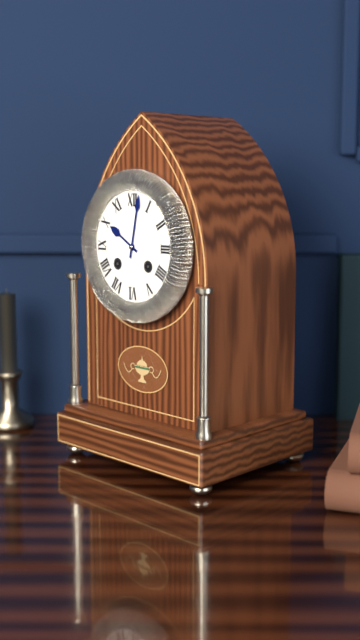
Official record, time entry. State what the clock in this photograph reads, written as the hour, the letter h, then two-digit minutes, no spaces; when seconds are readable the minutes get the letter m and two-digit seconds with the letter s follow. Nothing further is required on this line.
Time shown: 10h02
